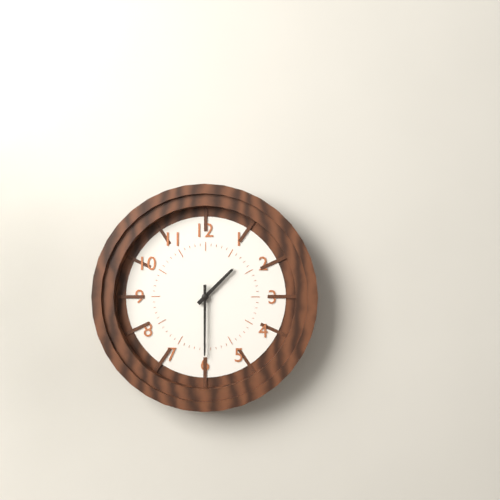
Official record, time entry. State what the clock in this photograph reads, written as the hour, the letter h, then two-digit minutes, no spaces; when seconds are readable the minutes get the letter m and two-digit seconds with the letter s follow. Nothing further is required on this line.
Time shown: 1h30
